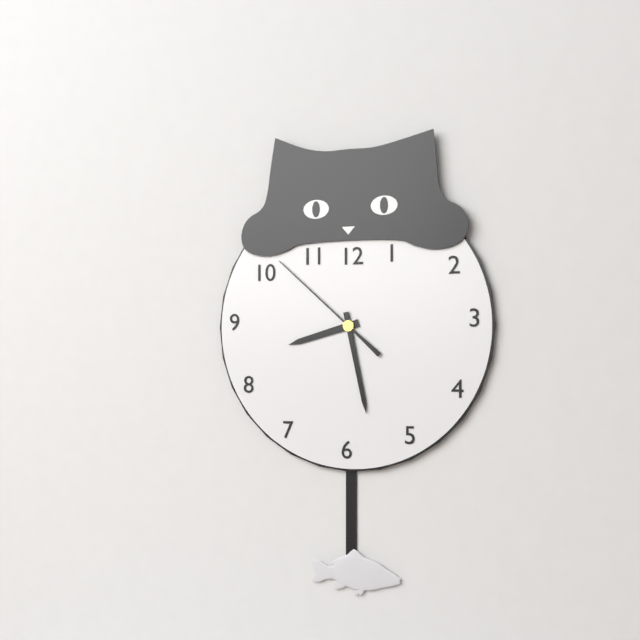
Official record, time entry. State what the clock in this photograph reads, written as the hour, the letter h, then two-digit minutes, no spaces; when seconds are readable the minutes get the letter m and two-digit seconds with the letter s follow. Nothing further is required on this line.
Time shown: 8h28m52s
